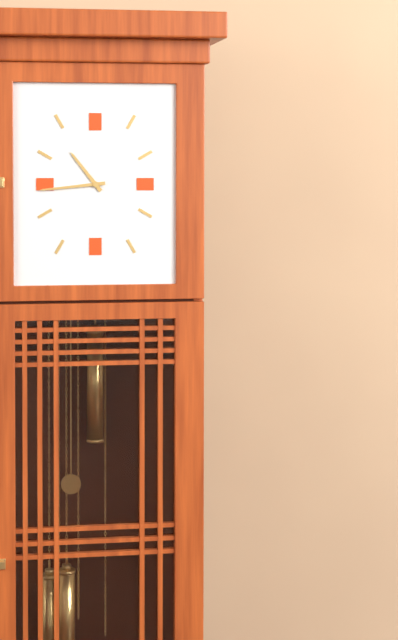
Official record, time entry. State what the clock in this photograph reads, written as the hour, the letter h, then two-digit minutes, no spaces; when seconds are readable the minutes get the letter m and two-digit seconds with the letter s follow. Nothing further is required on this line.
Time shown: 10h44
